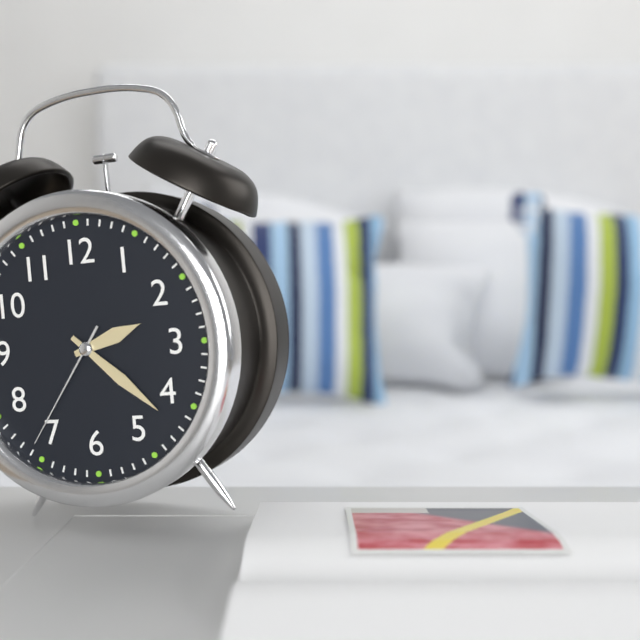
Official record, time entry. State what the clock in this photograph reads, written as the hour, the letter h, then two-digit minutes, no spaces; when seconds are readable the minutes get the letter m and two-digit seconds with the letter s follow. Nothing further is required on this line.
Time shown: 2h22m36s
